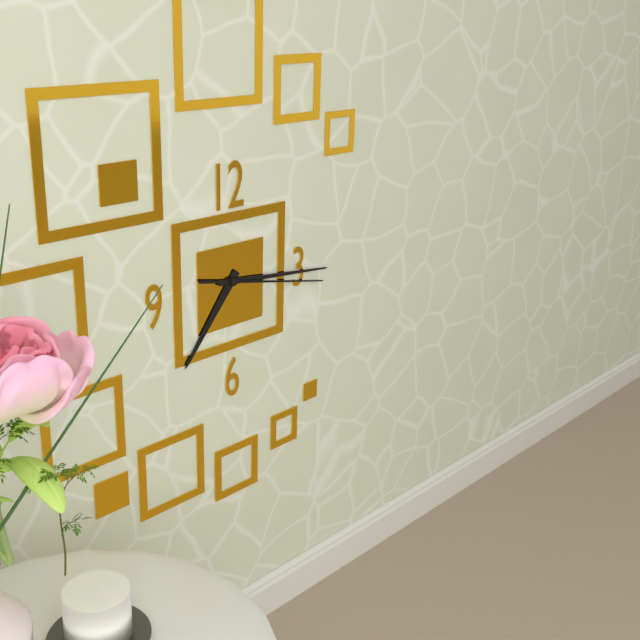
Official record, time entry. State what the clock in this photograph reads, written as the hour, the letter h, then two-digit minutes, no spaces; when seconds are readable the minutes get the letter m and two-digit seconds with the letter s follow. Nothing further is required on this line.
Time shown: 7h16m17s
